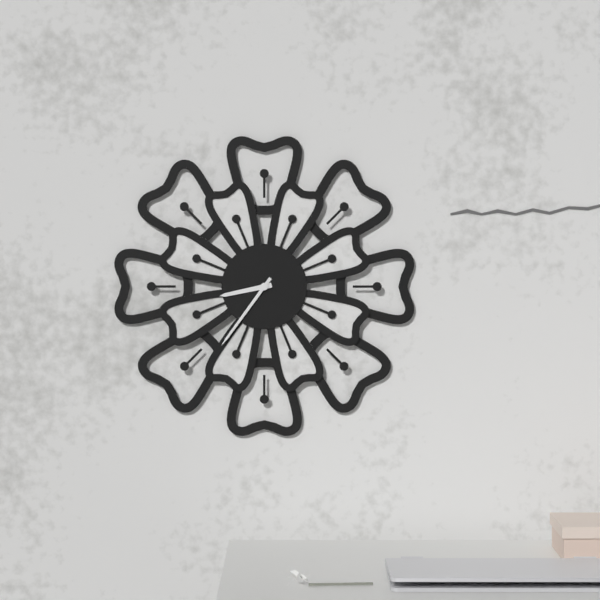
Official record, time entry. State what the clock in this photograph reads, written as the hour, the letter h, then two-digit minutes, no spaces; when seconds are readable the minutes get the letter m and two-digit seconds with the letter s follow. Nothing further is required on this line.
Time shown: 8h36
